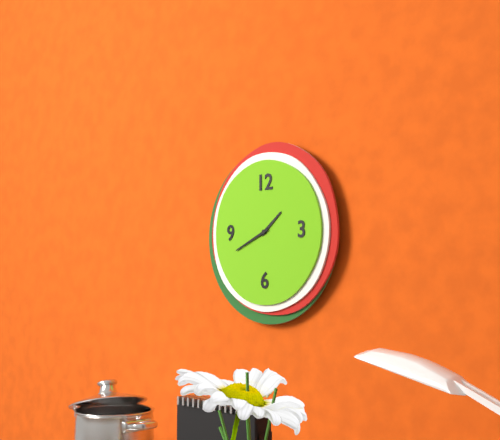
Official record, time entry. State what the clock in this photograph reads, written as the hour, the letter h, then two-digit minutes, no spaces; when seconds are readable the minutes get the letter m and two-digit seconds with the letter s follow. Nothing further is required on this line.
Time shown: 1h41
